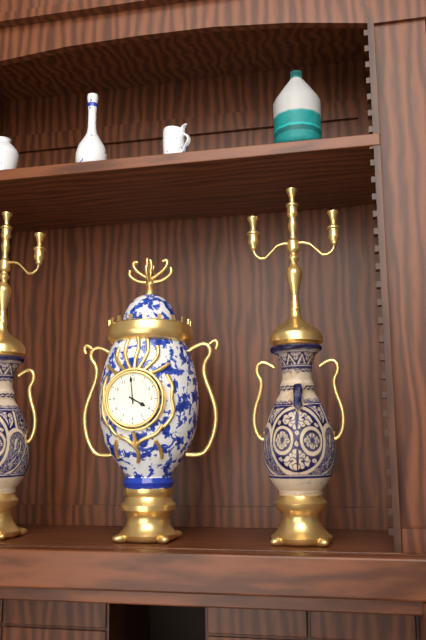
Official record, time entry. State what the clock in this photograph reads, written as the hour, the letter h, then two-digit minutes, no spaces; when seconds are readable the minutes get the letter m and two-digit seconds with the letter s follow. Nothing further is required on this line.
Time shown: 3h59
